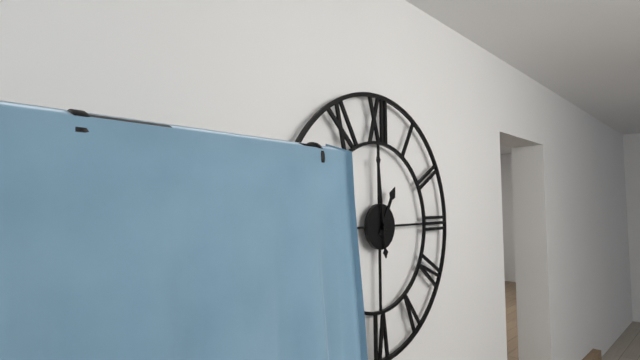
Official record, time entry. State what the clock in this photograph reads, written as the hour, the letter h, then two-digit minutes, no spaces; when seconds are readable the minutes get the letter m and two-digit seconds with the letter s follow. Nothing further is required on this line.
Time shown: 12h59
